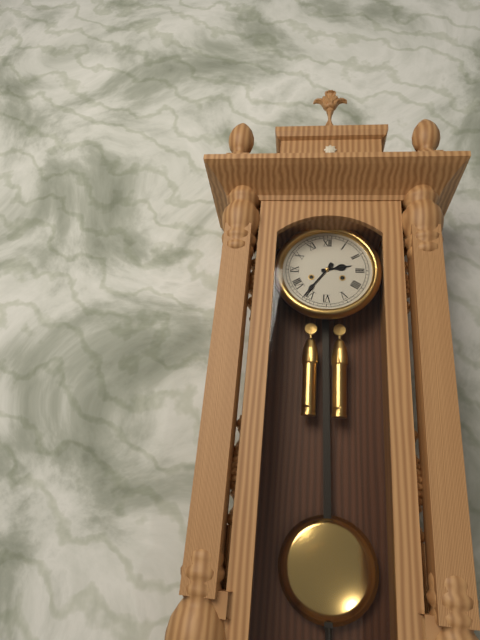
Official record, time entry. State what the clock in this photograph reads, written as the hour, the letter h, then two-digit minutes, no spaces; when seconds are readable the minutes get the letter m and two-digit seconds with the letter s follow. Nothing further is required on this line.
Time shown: 2h36
